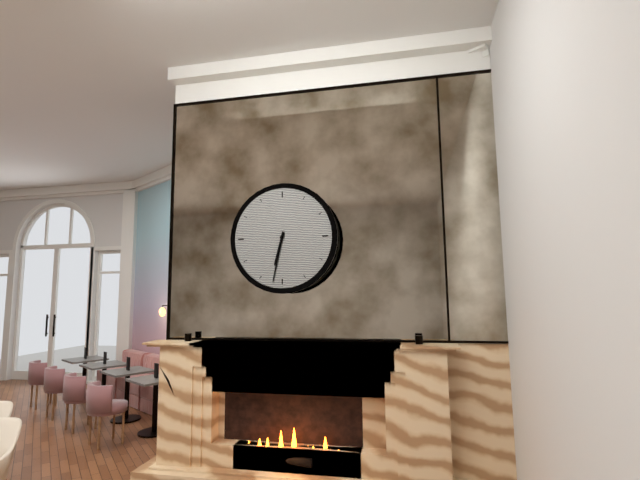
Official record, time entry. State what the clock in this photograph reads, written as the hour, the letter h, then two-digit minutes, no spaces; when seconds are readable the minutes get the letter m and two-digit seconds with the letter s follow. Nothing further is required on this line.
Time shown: 6h32
